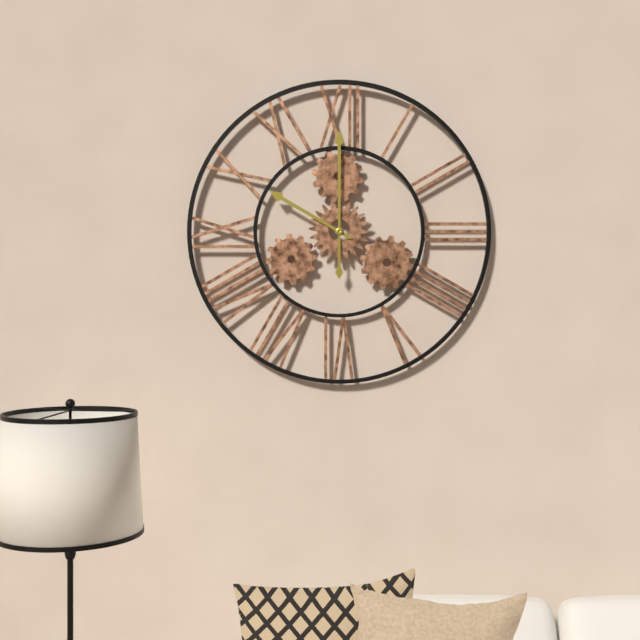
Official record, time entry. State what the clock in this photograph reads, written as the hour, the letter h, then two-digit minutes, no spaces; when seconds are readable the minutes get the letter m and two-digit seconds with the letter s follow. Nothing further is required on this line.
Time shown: 10h00
